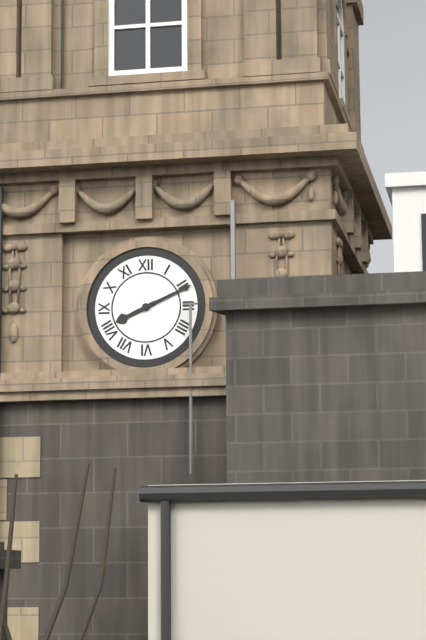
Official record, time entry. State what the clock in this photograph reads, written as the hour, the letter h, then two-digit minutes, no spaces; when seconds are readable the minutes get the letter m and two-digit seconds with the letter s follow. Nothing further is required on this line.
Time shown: 8h11
